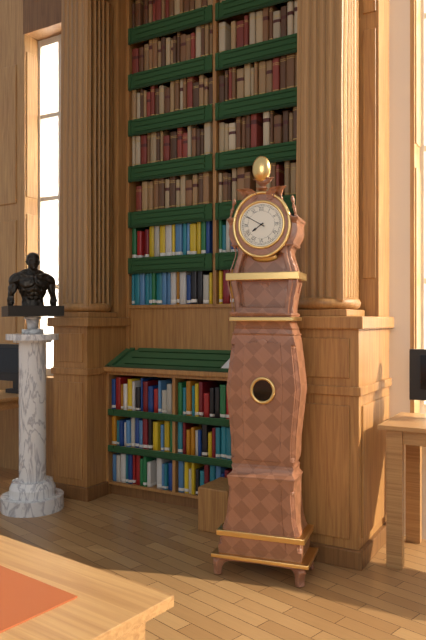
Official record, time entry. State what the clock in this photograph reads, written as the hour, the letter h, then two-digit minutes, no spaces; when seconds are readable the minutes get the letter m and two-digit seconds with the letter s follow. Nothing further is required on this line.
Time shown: 7h50
